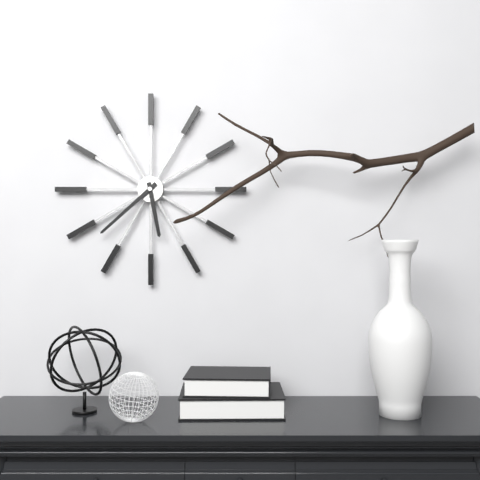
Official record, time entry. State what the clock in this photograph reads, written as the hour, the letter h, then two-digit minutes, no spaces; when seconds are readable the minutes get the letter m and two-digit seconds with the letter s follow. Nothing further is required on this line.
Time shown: 5h38
